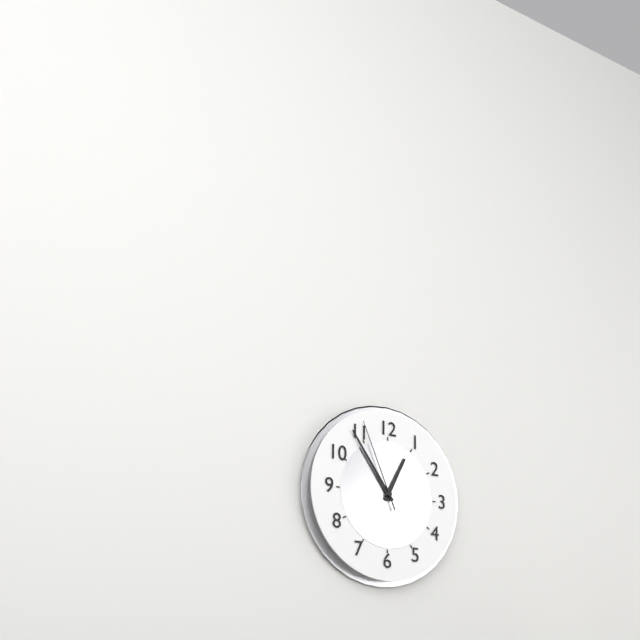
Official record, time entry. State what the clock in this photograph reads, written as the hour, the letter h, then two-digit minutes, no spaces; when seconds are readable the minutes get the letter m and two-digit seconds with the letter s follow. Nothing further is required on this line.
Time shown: 12h54m56s
